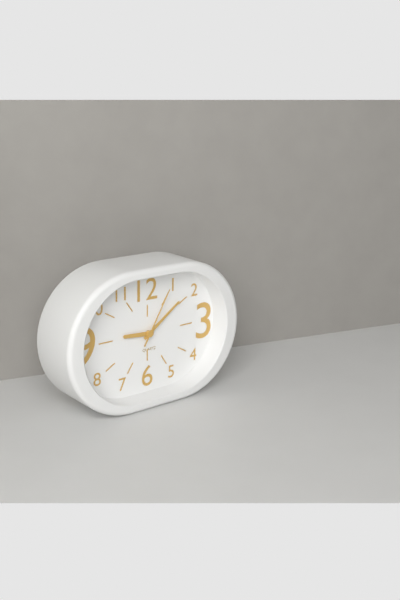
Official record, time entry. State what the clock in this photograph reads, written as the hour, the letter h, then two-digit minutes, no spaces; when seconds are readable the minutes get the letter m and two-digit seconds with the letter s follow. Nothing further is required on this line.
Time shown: 9h09m05s
